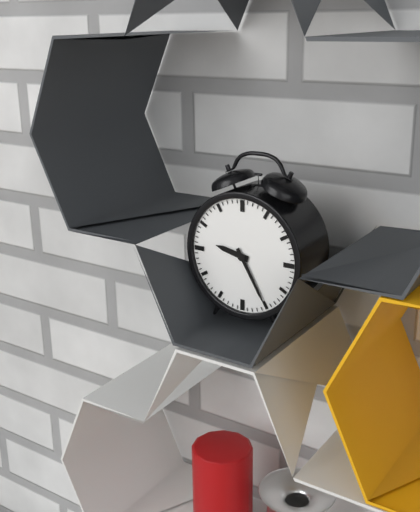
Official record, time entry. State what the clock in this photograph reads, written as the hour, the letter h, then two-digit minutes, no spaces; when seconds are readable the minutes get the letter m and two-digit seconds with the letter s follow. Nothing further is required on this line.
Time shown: 9h25
